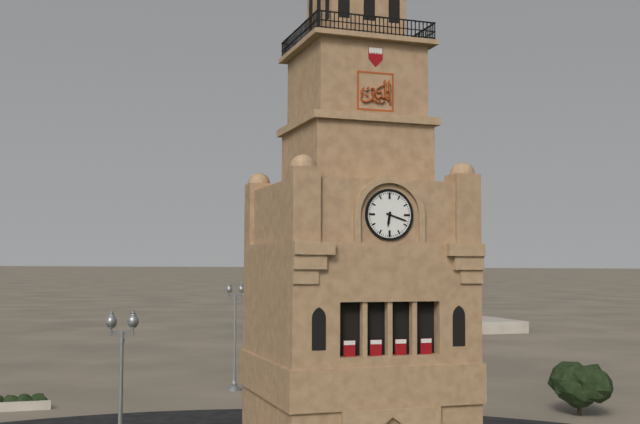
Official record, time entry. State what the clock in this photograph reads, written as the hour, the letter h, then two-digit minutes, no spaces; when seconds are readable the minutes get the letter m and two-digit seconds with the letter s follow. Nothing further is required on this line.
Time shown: 6h18
